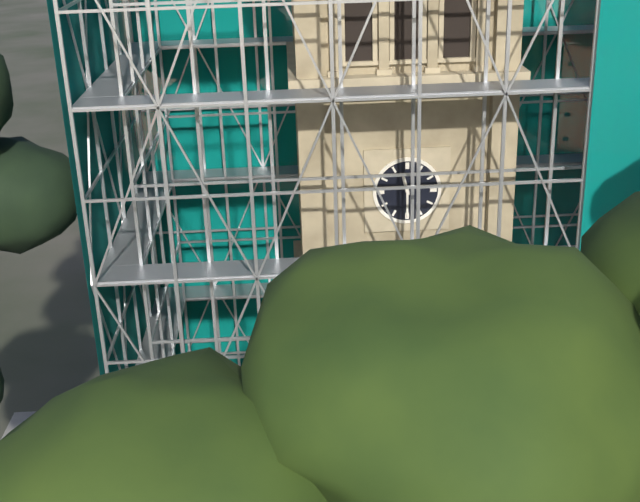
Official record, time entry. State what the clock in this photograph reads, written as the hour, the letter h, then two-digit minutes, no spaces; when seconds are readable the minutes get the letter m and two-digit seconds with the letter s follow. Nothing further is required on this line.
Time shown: 11h30
